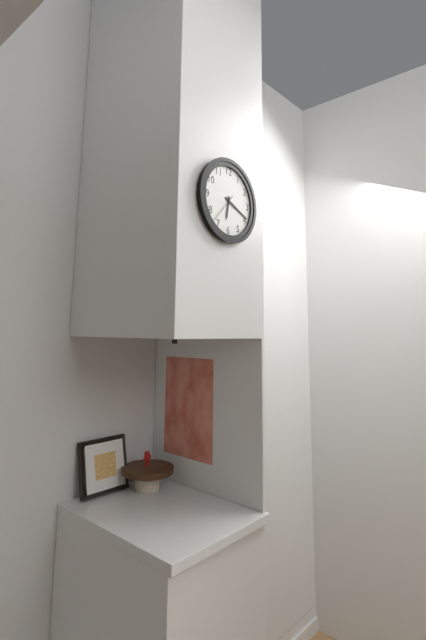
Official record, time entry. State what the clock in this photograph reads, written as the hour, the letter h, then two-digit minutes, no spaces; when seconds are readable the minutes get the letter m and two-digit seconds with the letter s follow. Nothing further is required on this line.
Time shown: 6h19
